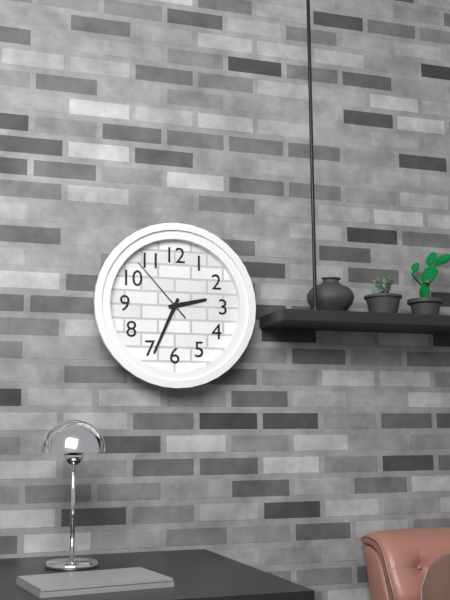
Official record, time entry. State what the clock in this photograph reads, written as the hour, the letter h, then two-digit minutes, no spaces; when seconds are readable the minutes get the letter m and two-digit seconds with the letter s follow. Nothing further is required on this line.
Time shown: 2h34m53s
